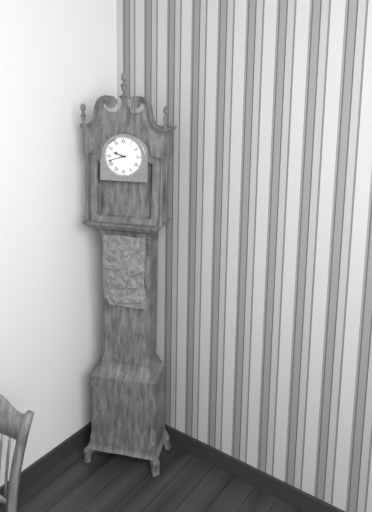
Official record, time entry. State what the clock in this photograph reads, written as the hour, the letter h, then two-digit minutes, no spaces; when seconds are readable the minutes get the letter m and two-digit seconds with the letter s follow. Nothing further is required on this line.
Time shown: 9h42
